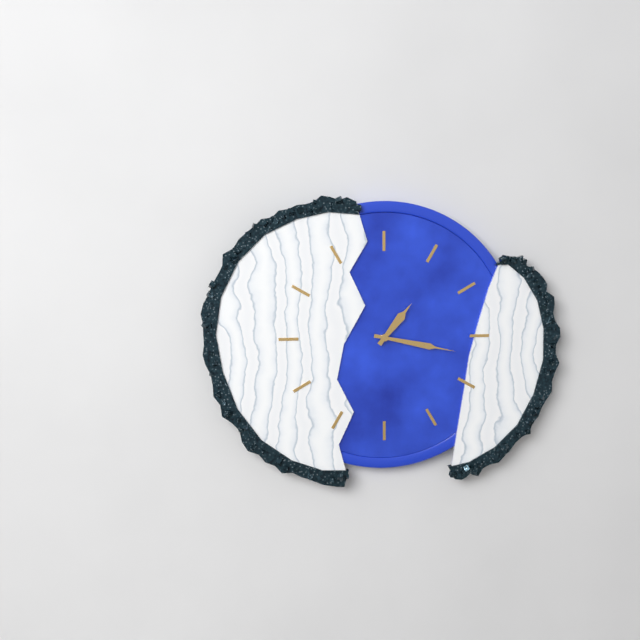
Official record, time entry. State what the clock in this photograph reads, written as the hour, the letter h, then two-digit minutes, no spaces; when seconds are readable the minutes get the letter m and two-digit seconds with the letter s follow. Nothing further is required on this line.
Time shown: 1h17
